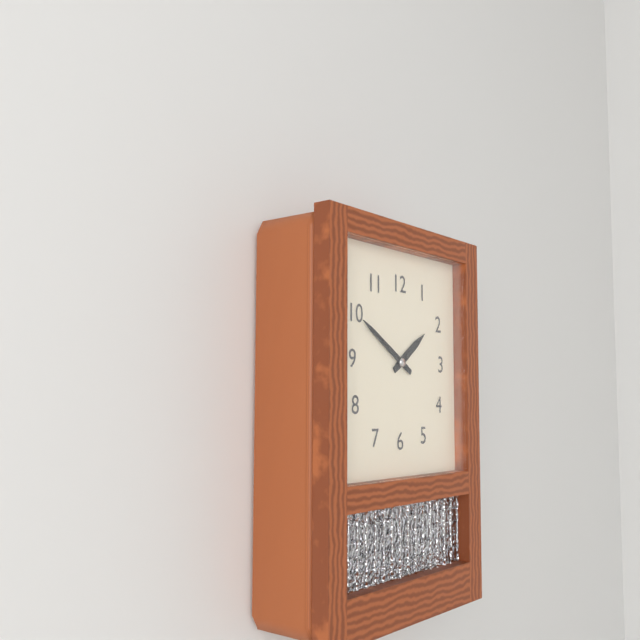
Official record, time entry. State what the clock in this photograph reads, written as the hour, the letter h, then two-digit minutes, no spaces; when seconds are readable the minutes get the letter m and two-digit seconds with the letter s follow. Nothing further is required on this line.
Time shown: 1h50
